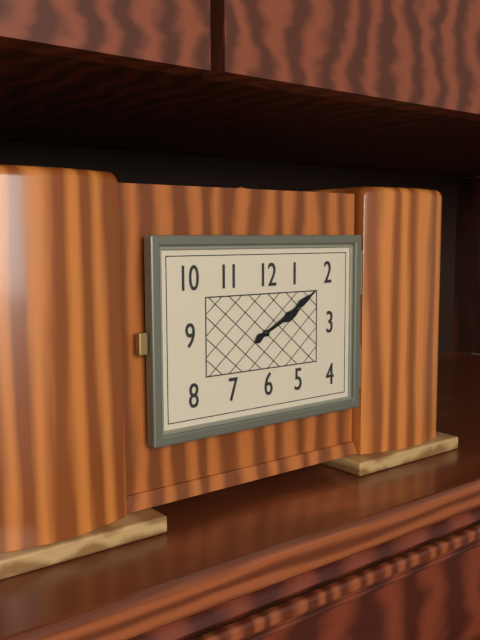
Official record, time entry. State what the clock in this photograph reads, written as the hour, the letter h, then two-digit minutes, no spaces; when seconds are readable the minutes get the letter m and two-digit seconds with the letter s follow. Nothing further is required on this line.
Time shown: 2h10
